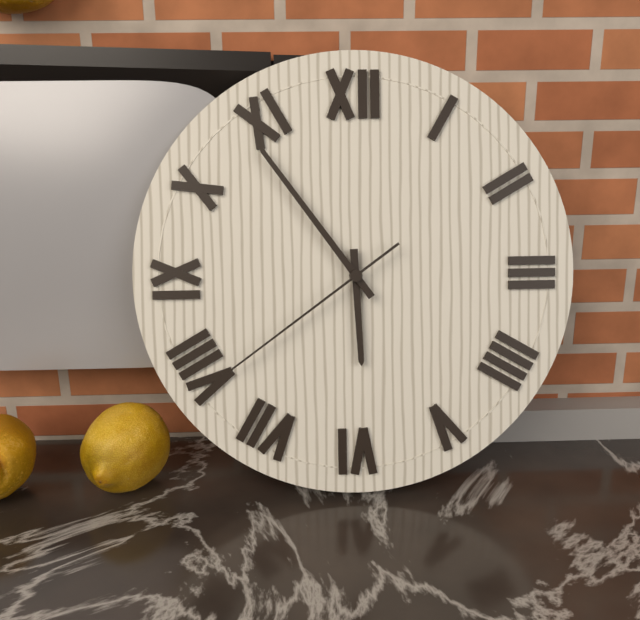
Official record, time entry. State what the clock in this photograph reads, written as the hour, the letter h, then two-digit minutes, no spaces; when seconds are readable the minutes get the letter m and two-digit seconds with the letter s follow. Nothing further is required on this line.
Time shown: 5h54m39s
